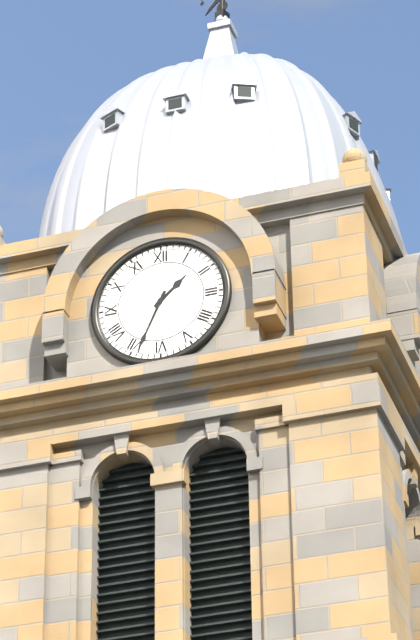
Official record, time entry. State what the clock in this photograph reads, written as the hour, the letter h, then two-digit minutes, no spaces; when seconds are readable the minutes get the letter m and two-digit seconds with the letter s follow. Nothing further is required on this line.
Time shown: 1h34
